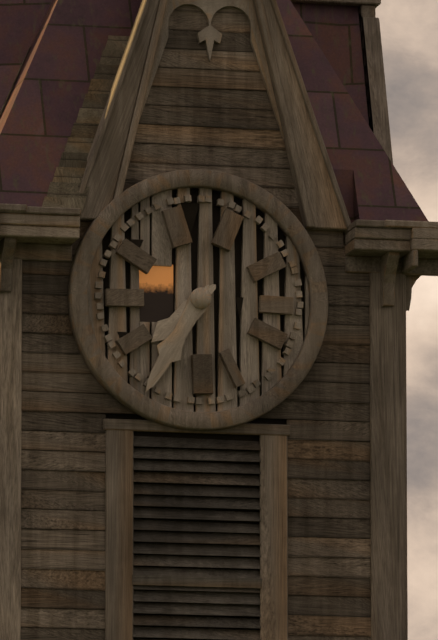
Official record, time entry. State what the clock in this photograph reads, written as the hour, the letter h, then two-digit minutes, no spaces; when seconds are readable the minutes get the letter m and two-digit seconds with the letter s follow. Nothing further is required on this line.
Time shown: 7h35
